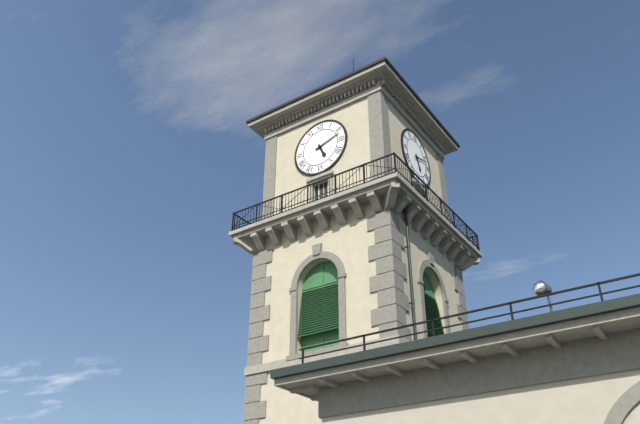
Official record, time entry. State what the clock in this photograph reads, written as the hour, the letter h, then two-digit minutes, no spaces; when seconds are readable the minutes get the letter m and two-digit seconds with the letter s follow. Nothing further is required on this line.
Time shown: 5h12
